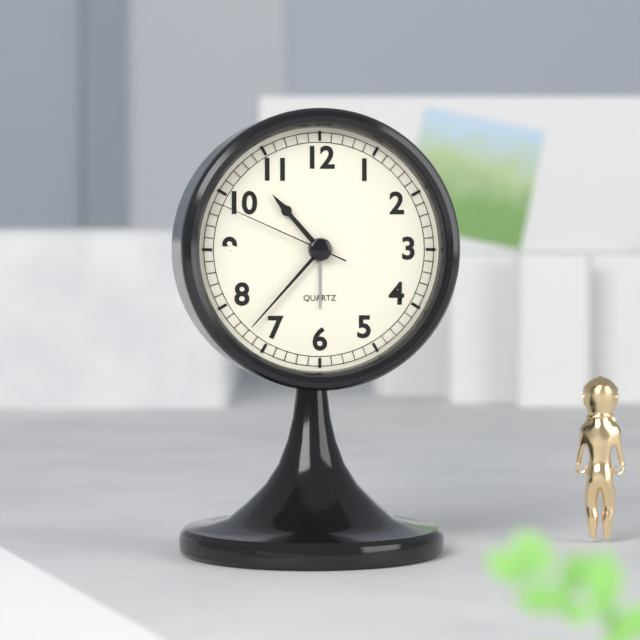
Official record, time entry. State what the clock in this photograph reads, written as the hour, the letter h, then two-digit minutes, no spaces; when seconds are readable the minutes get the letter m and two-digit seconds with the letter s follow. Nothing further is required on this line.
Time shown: 10h37m49s
